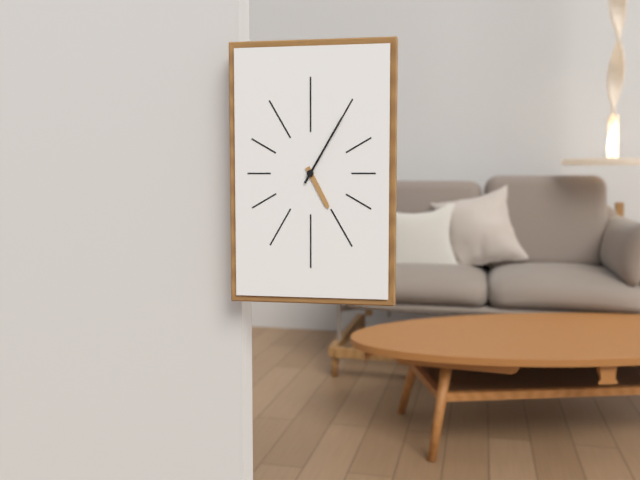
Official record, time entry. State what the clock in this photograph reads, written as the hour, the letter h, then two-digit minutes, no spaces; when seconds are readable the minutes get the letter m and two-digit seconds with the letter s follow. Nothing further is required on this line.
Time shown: 5h05
